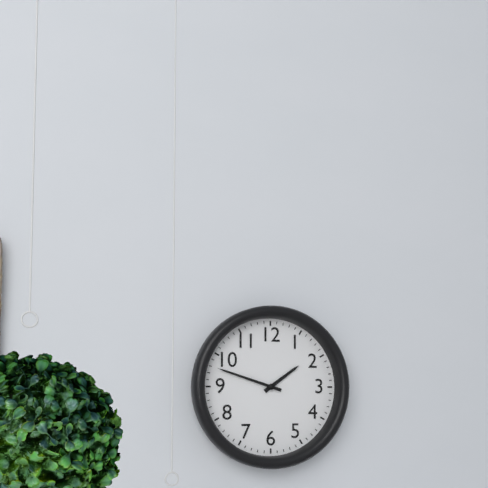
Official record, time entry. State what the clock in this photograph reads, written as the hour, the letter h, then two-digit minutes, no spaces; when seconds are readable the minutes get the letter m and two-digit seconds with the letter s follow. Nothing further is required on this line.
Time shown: 1h48
